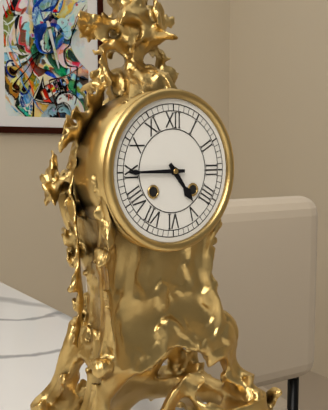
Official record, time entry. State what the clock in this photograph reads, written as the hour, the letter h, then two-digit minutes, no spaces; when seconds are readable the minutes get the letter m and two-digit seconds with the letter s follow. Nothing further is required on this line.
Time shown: 4h45
